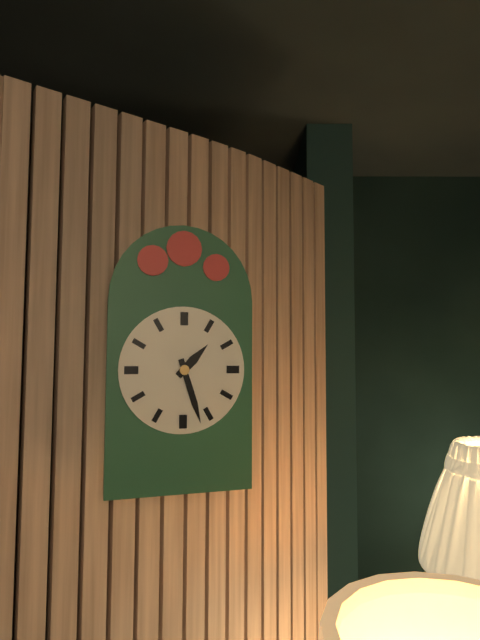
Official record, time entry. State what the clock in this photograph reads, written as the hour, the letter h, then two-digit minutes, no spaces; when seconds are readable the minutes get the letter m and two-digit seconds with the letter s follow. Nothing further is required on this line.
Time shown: 1h27
